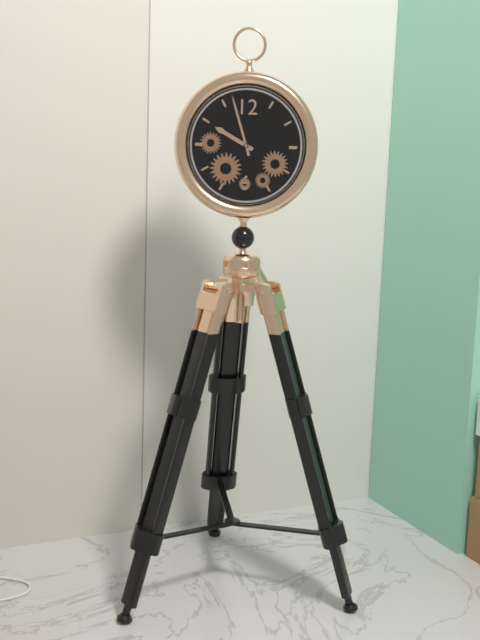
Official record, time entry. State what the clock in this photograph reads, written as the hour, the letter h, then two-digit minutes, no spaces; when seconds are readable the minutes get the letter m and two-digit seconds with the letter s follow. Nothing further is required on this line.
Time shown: 9h57
